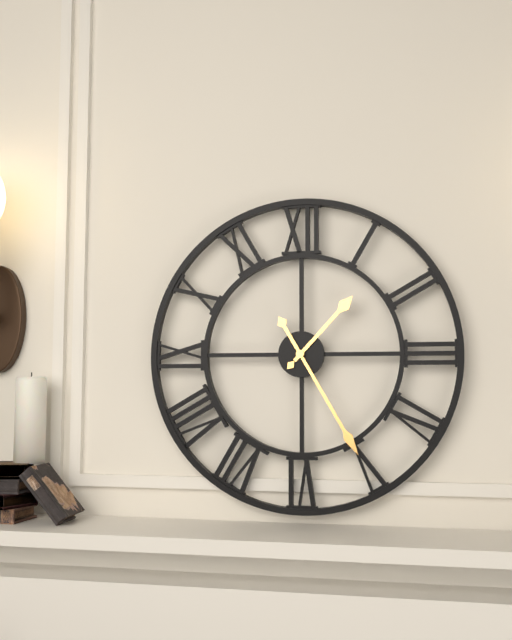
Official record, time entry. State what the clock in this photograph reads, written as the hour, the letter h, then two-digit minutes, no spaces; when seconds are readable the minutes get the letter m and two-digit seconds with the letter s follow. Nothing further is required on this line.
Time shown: 1h25
